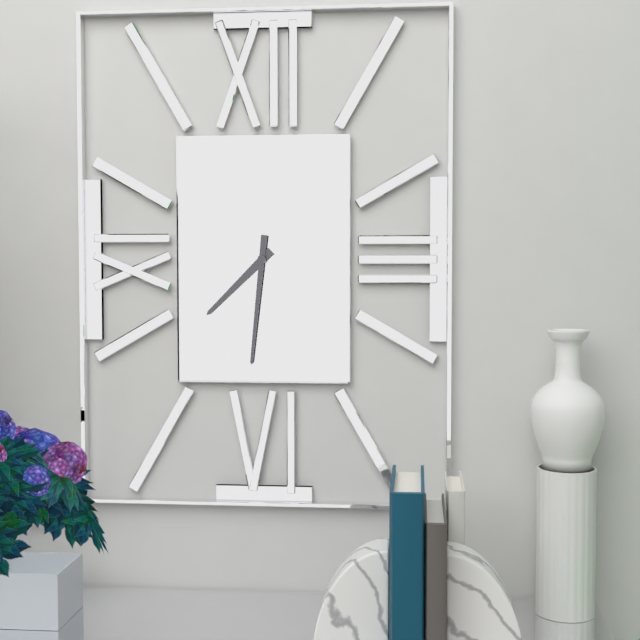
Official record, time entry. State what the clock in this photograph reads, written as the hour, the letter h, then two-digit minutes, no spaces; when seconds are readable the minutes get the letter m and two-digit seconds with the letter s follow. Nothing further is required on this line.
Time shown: 7h31
